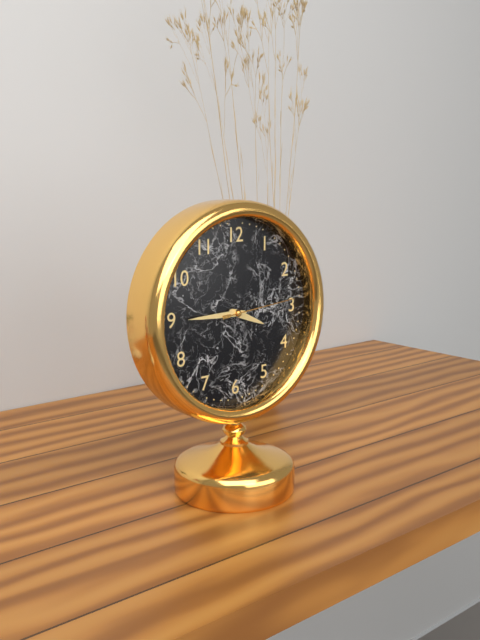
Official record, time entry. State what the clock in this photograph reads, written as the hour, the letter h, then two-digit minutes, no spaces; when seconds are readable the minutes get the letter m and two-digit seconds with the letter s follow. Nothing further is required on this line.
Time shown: 3h45m14s
